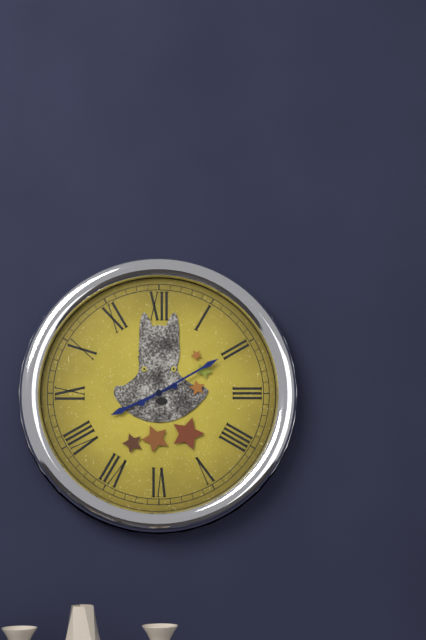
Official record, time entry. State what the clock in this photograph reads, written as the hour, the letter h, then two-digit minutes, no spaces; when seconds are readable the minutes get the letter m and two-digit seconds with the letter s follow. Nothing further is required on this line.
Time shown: 8h10
